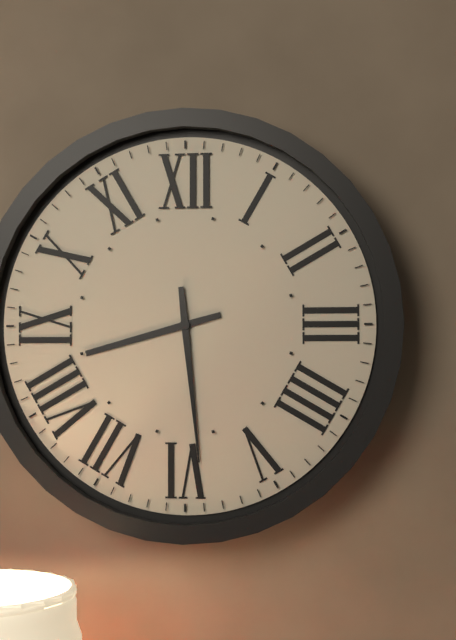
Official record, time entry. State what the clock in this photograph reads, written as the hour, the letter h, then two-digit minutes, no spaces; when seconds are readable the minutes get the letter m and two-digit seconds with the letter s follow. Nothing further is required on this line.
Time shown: 8h29
